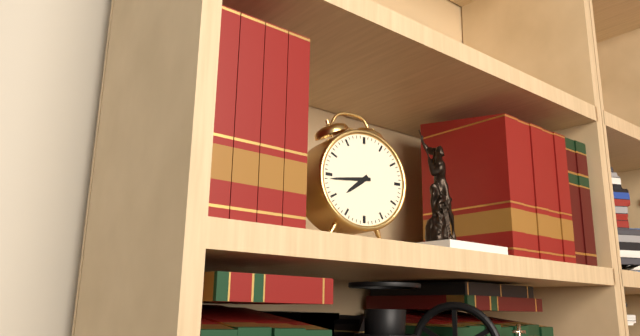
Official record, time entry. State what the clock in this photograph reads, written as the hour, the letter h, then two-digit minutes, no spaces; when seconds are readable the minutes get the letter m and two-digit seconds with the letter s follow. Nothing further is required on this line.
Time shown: 7h44
